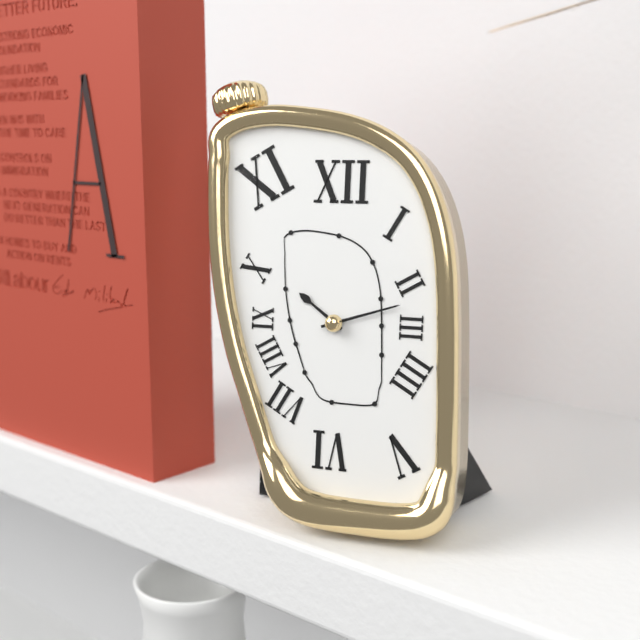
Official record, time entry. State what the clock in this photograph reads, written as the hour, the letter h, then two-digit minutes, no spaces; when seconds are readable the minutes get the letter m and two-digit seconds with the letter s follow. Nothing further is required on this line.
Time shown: 10h12
